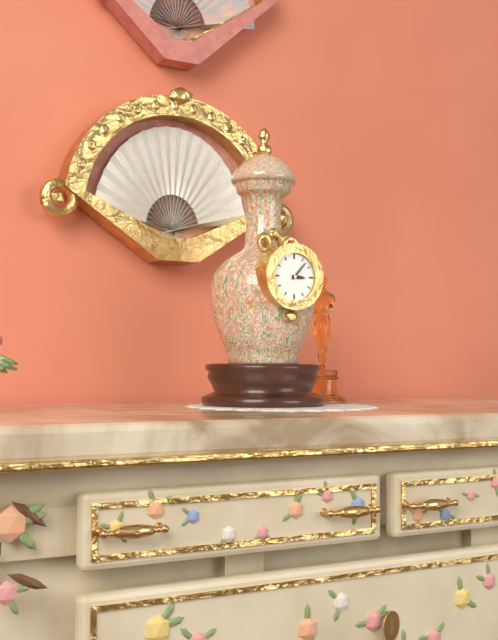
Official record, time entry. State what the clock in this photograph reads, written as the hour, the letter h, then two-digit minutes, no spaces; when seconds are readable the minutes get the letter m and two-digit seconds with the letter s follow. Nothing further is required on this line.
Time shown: 3h07
